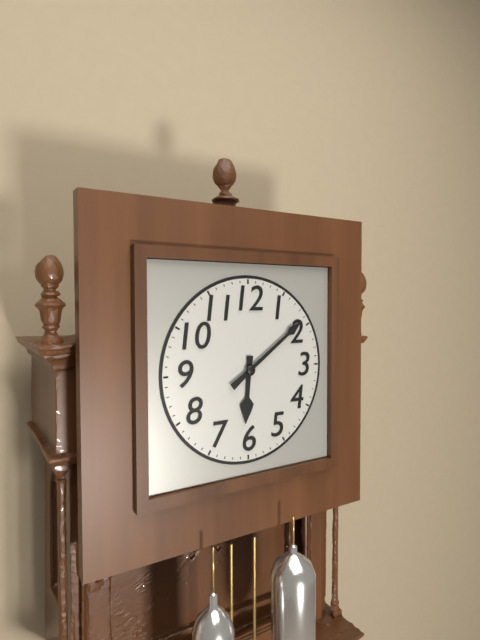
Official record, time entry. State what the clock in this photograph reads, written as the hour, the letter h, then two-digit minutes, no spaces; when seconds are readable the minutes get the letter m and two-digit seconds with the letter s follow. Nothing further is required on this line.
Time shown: 6h09
